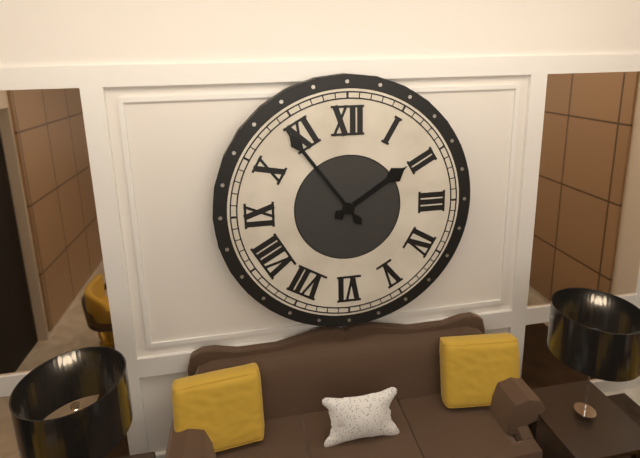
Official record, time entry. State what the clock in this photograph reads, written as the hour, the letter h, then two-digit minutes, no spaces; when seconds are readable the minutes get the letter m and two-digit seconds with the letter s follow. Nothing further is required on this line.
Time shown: 1h54
